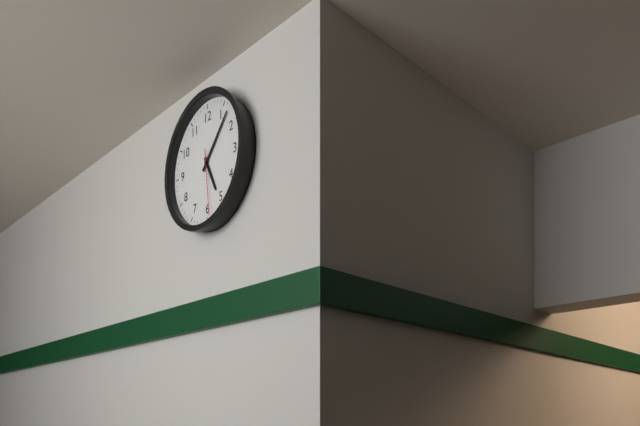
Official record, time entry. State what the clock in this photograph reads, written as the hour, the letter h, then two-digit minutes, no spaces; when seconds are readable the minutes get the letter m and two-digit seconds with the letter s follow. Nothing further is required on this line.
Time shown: 5h07m29s
